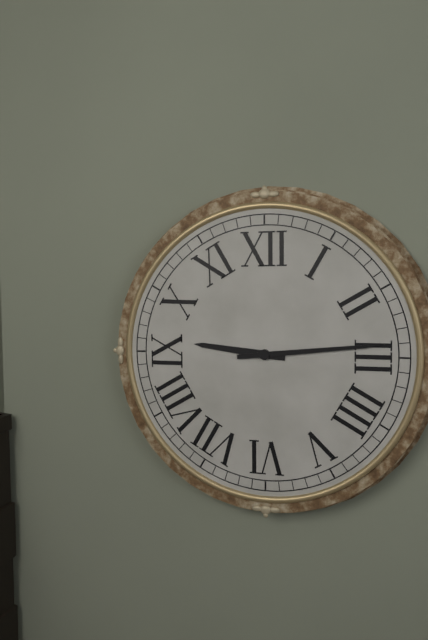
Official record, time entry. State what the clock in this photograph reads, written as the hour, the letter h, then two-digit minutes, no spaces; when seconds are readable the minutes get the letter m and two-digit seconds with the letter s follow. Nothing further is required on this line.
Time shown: 9h14
